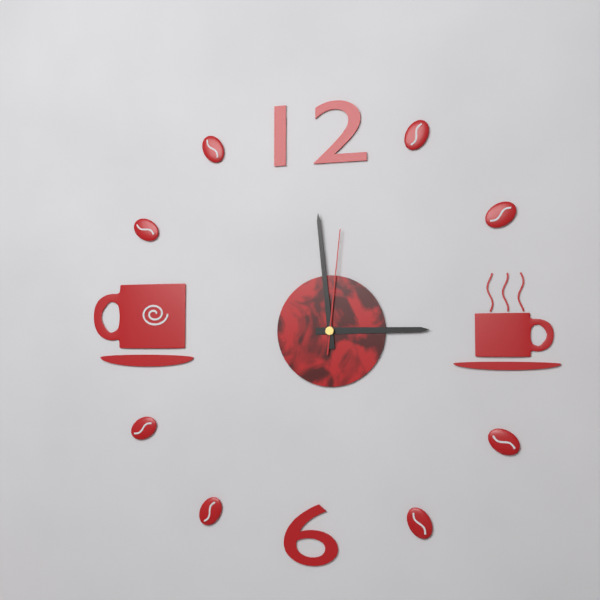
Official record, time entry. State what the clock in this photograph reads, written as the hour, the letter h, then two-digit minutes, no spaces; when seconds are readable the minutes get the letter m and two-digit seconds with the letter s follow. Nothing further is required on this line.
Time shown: 2h59m01s
